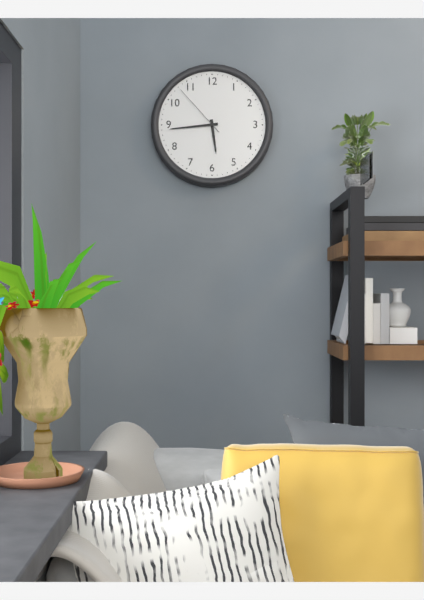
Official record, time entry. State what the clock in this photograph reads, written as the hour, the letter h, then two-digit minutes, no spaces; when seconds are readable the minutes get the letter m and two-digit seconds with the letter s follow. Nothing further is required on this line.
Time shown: 5h44m53s
